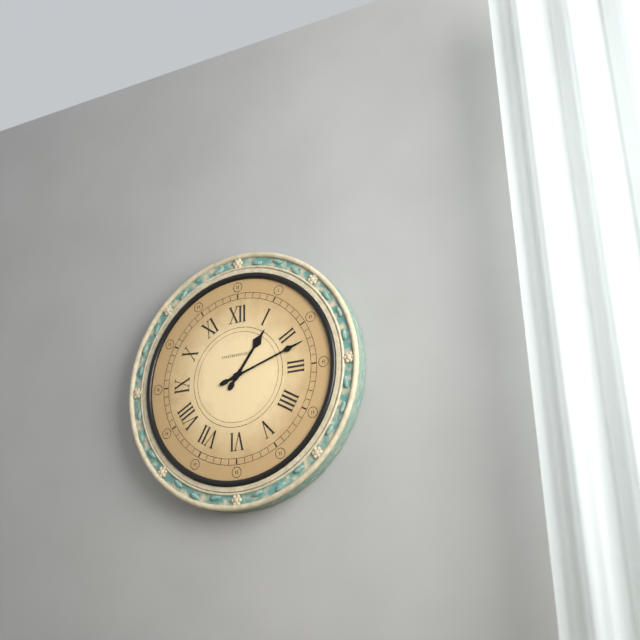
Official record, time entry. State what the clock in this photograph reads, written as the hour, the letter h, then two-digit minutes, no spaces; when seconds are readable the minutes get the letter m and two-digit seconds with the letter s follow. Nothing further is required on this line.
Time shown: 1h12
